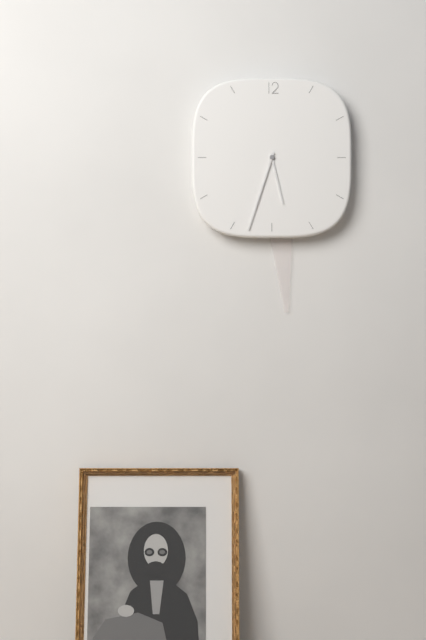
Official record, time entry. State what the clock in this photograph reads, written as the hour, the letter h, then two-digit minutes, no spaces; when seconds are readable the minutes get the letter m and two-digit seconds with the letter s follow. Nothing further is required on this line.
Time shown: 5h33
